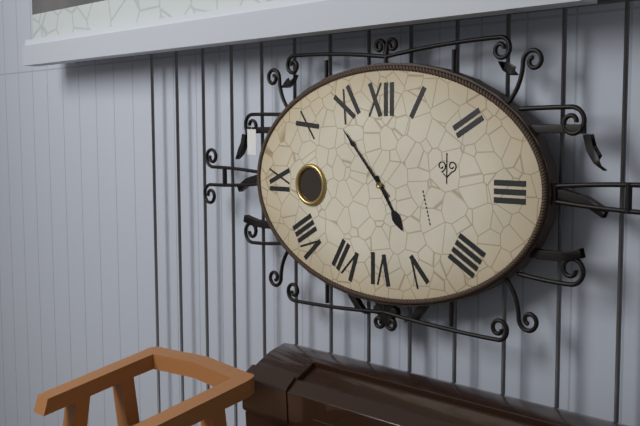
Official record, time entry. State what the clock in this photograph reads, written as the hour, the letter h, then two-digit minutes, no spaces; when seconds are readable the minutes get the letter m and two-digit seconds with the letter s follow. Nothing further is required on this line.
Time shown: 4h53
